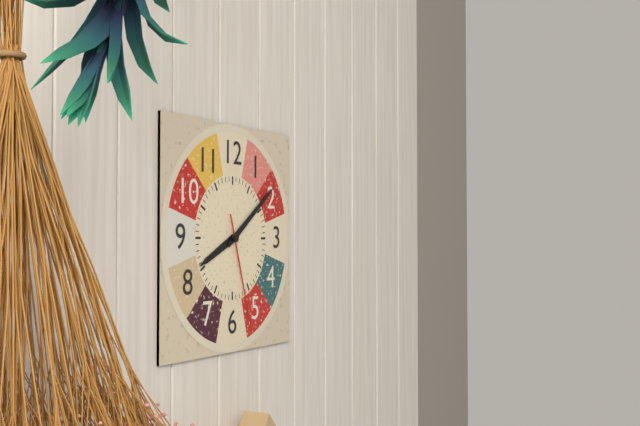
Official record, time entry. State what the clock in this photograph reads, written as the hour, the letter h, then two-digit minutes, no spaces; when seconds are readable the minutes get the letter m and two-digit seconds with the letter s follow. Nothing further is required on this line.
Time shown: 8h09m27s
